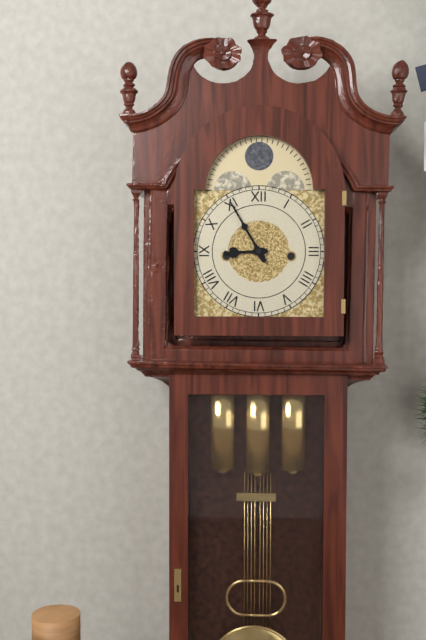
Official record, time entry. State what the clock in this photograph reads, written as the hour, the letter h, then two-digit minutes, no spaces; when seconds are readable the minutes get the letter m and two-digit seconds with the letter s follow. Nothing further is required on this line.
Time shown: 8h55
